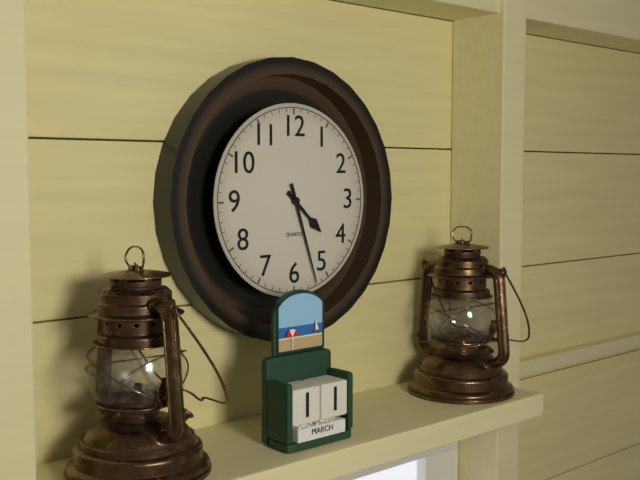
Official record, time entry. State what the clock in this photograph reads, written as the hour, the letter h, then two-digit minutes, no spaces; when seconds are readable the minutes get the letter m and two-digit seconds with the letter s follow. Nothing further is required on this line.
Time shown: 4h27
